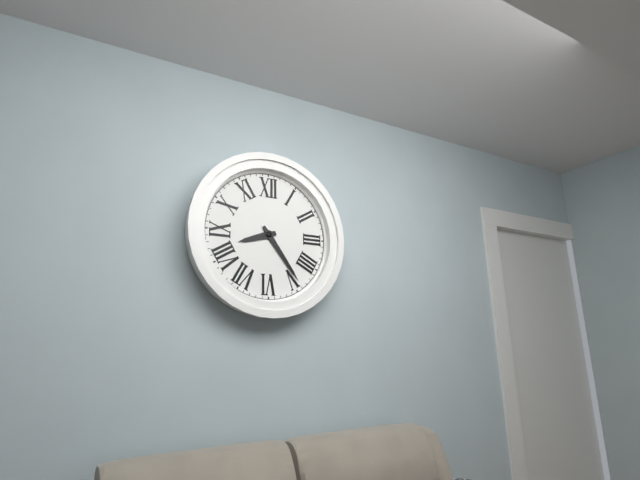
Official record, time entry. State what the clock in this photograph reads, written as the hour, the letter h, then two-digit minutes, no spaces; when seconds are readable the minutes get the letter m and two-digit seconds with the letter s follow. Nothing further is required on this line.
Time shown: 8h24
